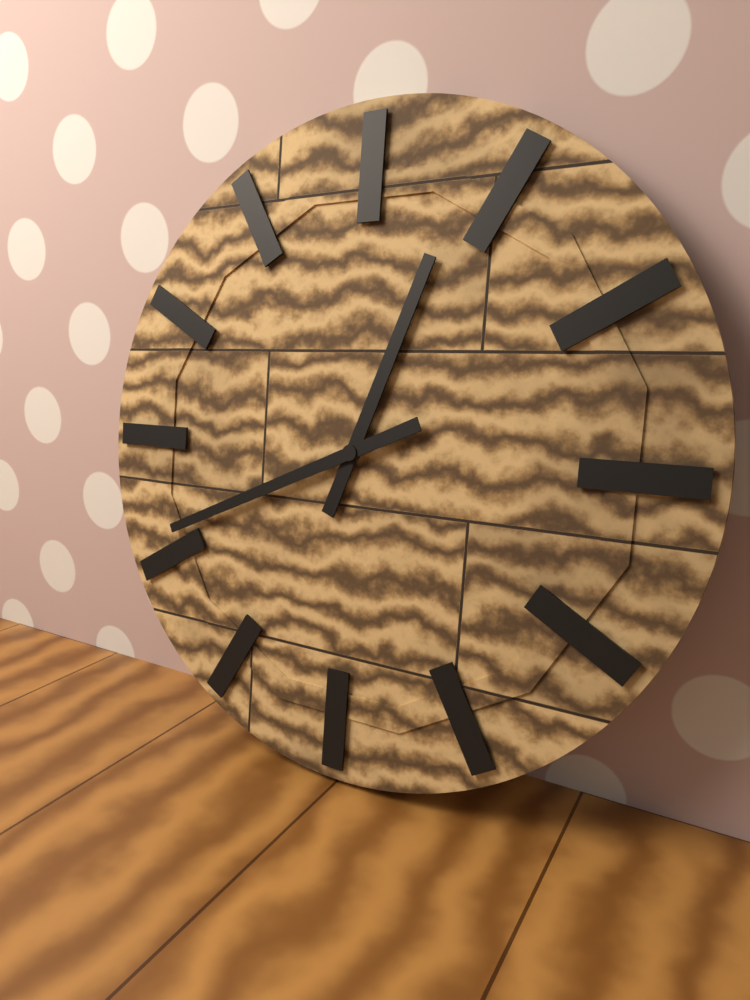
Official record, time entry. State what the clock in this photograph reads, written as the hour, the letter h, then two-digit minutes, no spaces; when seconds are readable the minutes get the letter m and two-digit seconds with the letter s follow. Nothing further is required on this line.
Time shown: 12h41
